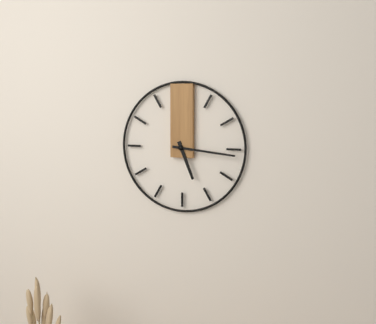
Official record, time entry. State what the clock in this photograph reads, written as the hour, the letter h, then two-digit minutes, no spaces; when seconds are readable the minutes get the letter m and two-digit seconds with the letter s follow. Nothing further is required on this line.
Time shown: 5h16
